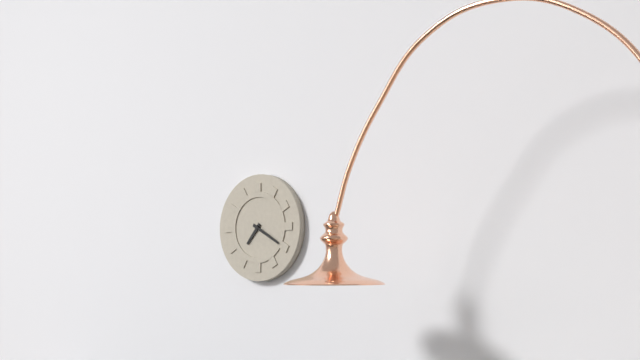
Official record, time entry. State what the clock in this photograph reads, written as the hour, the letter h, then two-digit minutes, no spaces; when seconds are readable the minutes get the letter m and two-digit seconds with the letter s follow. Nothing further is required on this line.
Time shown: 7h20
